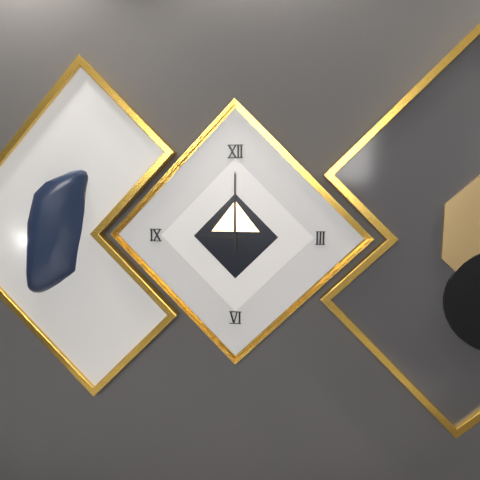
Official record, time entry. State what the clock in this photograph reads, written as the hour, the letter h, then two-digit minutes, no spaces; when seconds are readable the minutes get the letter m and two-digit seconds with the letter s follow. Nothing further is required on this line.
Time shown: 9h00
